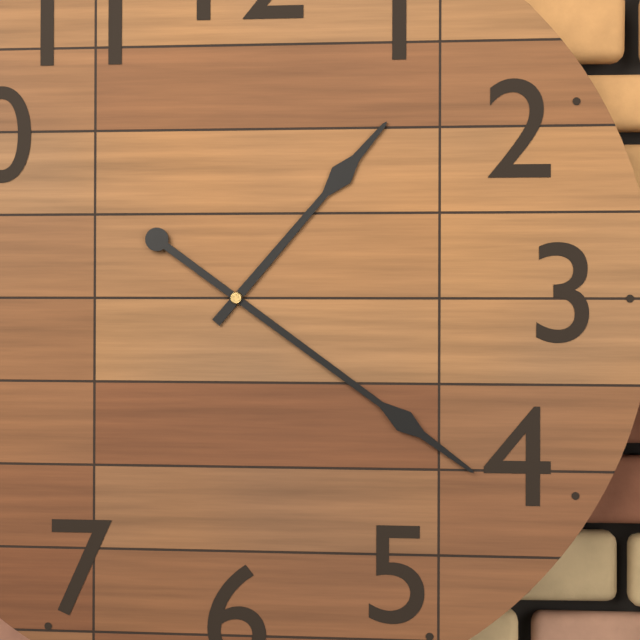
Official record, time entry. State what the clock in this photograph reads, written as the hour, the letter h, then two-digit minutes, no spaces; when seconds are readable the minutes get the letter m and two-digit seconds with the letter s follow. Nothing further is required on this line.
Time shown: 1h21
